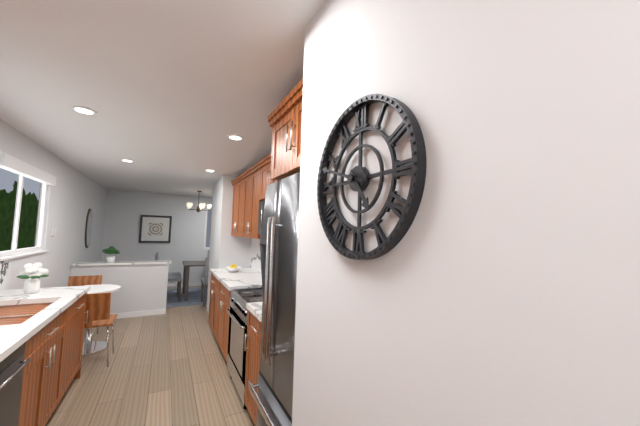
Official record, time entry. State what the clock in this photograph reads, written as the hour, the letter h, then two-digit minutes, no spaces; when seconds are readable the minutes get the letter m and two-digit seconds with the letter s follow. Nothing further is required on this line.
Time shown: 4h48
